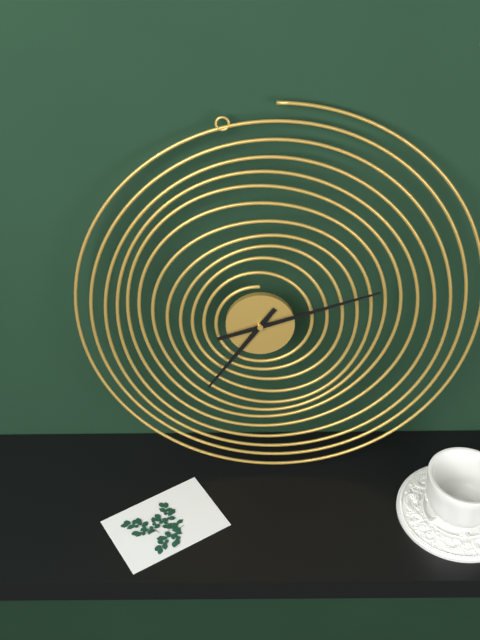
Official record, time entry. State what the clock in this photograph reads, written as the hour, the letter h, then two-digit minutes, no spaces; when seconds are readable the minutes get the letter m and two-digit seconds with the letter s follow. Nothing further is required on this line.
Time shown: 7h12
